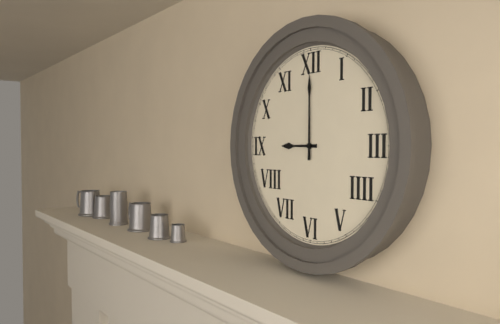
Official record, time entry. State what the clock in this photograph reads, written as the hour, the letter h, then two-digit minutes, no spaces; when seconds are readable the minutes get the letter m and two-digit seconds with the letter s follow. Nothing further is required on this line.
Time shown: 9h00
